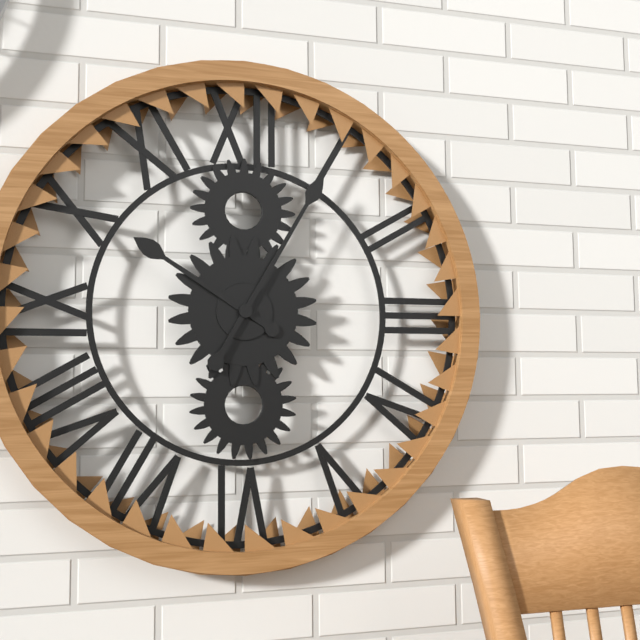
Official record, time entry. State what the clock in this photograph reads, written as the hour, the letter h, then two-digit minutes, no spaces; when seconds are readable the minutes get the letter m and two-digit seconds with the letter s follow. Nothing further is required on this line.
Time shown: 10h05
